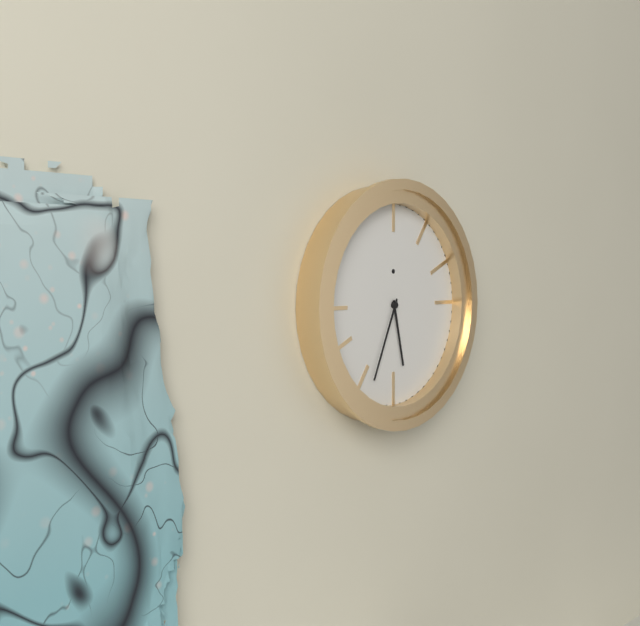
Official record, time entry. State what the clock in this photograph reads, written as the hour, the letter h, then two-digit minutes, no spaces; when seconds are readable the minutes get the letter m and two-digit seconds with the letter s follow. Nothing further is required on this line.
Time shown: 5h34
